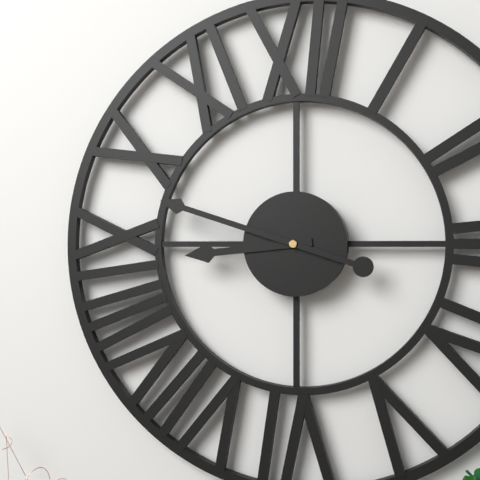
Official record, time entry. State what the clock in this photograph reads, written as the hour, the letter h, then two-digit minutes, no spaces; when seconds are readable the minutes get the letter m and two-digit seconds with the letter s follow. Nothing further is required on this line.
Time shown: 8h48
